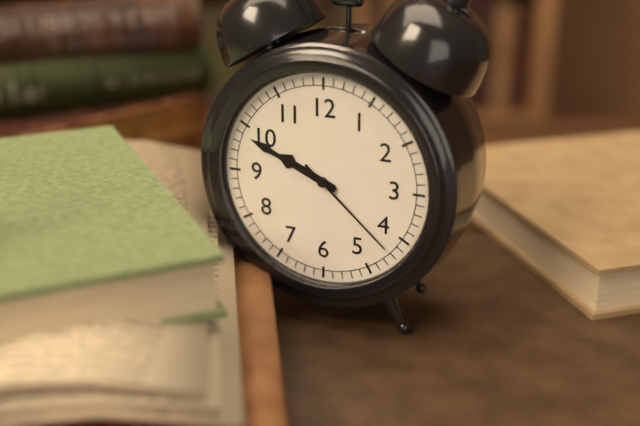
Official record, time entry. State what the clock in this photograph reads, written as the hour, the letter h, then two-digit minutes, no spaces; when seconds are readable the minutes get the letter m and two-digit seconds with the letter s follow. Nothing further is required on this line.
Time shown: 9h49m22s
